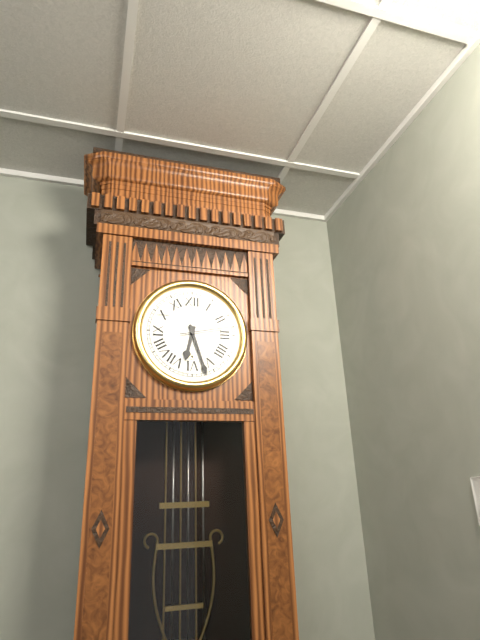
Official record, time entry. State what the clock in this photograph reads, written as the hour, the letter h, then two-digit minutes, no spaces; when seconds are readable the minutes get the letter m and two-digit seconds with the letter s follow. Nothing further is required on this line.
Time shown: 6h27m13s
